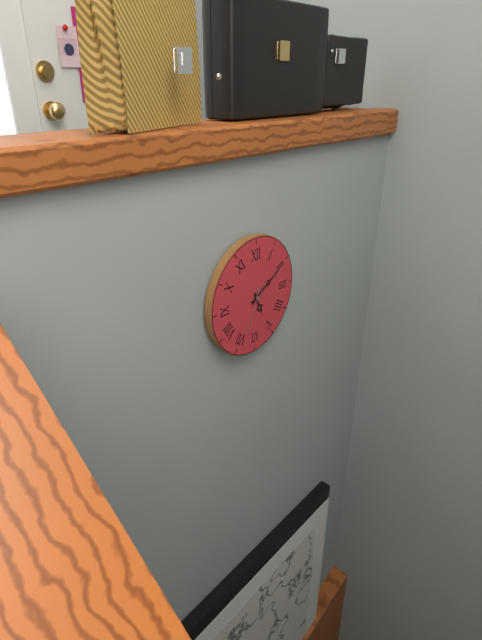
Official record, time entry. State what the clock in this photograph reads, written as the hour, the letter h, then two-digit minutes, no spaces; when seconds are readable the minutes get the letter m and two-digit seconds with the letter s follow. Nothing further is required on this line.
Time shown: 5h10
